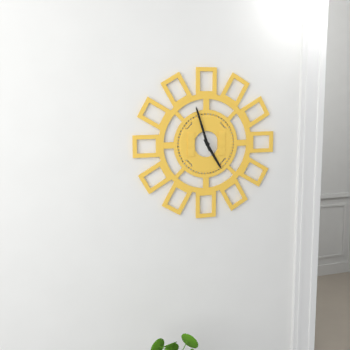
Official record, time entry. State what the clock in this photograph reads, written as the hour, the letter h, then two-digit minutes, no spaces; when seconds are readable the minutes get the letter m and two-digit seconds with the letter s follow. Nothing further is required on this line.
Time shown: 4h57
